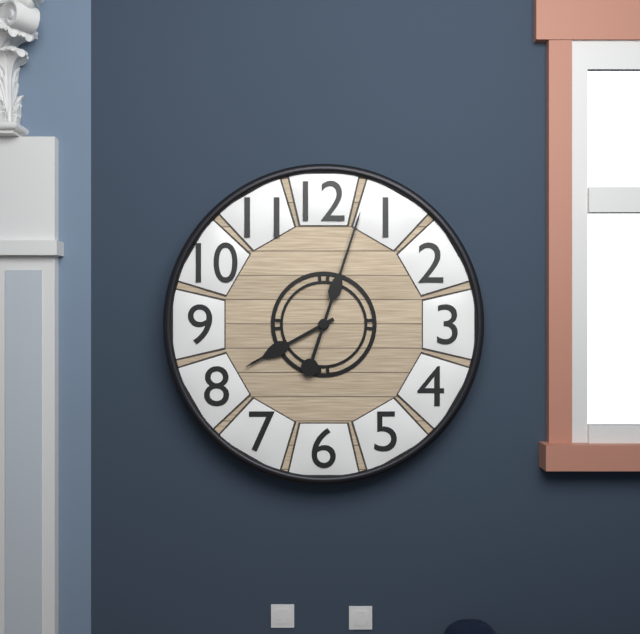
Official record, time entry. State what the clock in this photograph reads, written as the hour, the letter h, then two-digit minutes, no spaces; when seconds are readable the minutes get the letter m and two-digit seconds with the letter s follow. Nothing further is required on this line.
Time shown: 8h03
